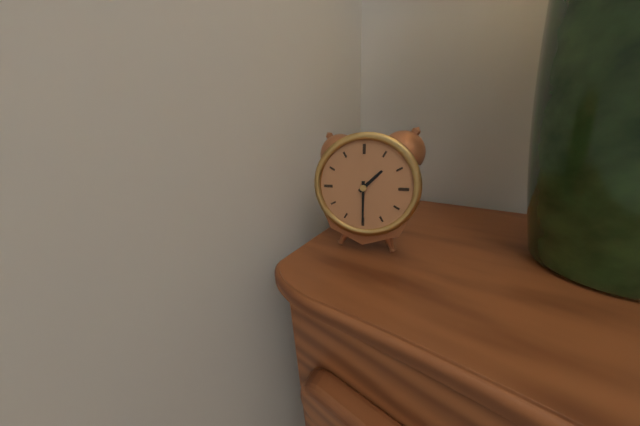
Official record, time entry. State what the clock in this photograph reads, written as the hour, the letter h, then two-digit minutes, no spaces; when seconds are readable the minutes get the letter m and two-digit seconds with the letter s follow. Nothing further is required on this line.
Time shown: 1h30
